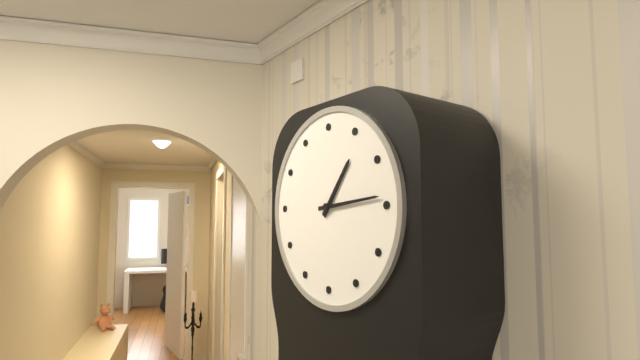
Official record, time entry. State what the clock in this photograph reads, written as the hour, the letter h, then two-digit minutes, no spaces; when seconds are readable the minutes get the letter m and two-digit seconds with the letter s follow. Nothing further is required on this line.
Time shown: 1h14
